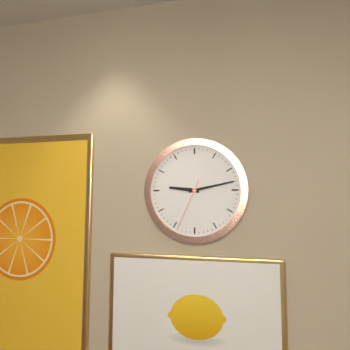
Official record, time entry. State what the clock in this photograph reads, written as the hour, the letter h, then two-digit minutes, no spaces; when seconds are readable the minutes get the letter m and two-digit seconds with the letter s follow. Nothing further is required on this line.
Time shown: 9h13m34s
